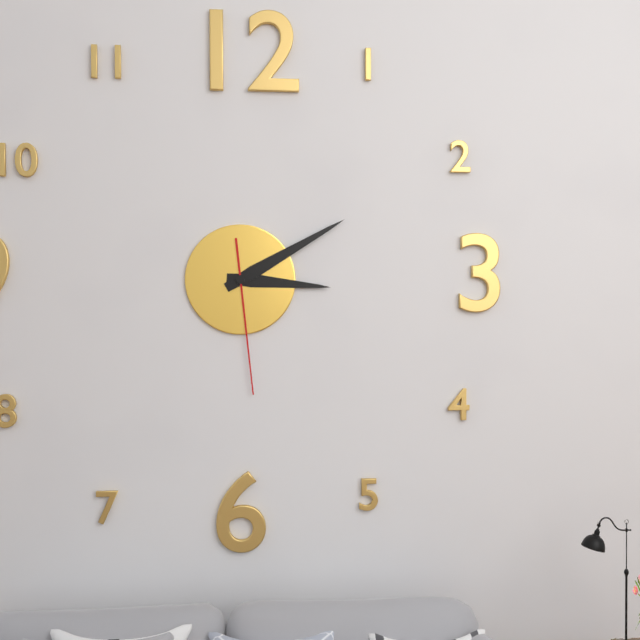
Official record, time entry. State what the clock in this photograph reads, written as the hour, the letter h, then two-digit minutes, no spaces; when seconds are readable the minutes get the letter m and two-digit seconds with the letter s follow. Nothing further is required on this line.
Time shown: 3h10m29s
